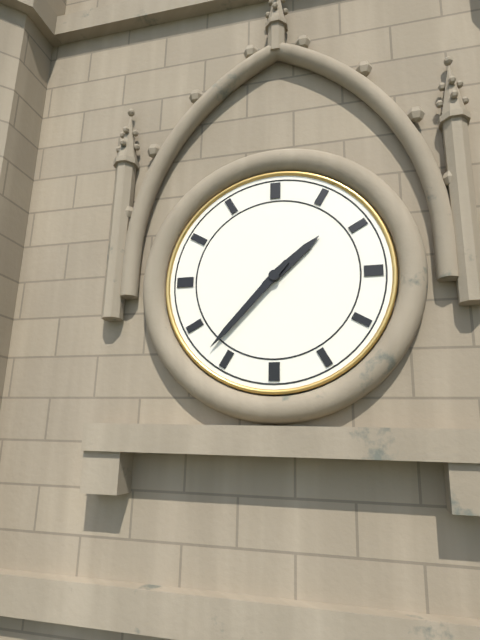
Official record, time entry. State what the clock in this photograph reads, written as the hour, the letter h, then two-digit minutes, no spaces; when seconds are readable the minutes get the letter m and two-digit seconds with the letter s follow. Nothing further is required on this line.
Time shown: 1h37
